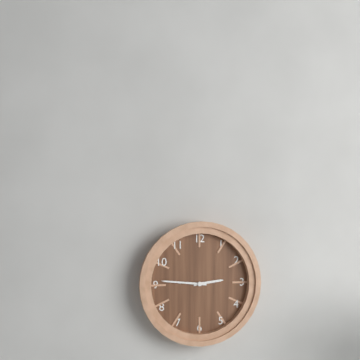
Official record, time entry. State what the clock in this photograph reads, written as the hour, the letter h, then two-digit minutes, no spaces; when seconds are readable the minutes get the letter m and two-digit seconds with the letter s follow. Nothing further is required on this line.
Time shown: 2h46
